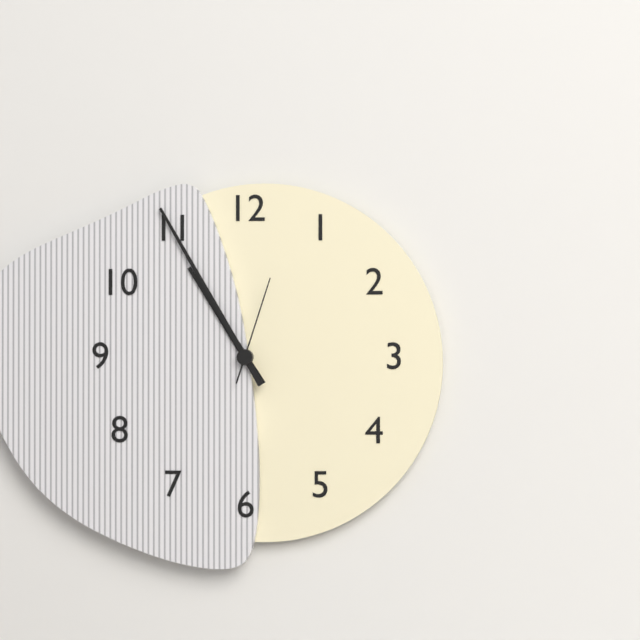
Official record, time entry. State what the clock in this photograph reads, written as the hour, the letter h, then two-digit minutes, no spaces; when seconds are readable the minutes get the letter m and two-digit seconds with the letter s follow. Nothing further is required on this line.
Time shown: 10h55m03s
